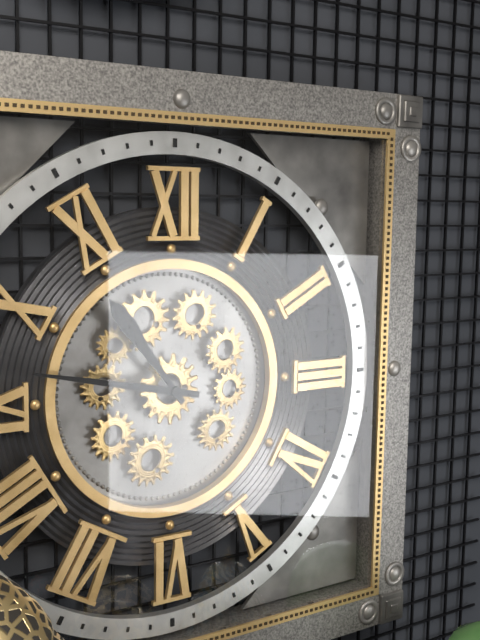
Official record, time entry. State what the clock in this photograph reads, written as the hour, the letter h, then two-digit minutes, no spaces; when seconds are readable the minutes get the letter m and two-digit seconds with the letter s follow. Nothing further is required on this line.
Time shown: 10h47
